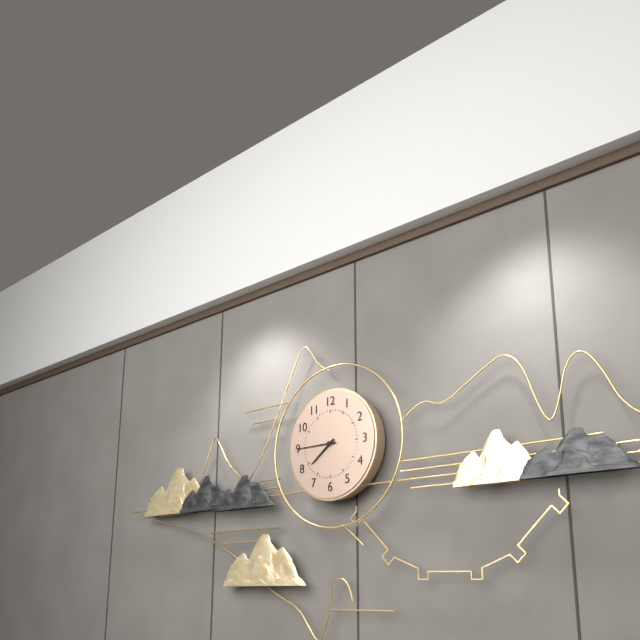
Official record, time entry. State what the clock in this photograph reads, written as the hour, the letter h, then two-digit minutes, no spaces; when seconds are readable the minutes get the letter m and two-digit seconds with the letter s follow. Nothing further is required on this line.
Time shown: 7h45
